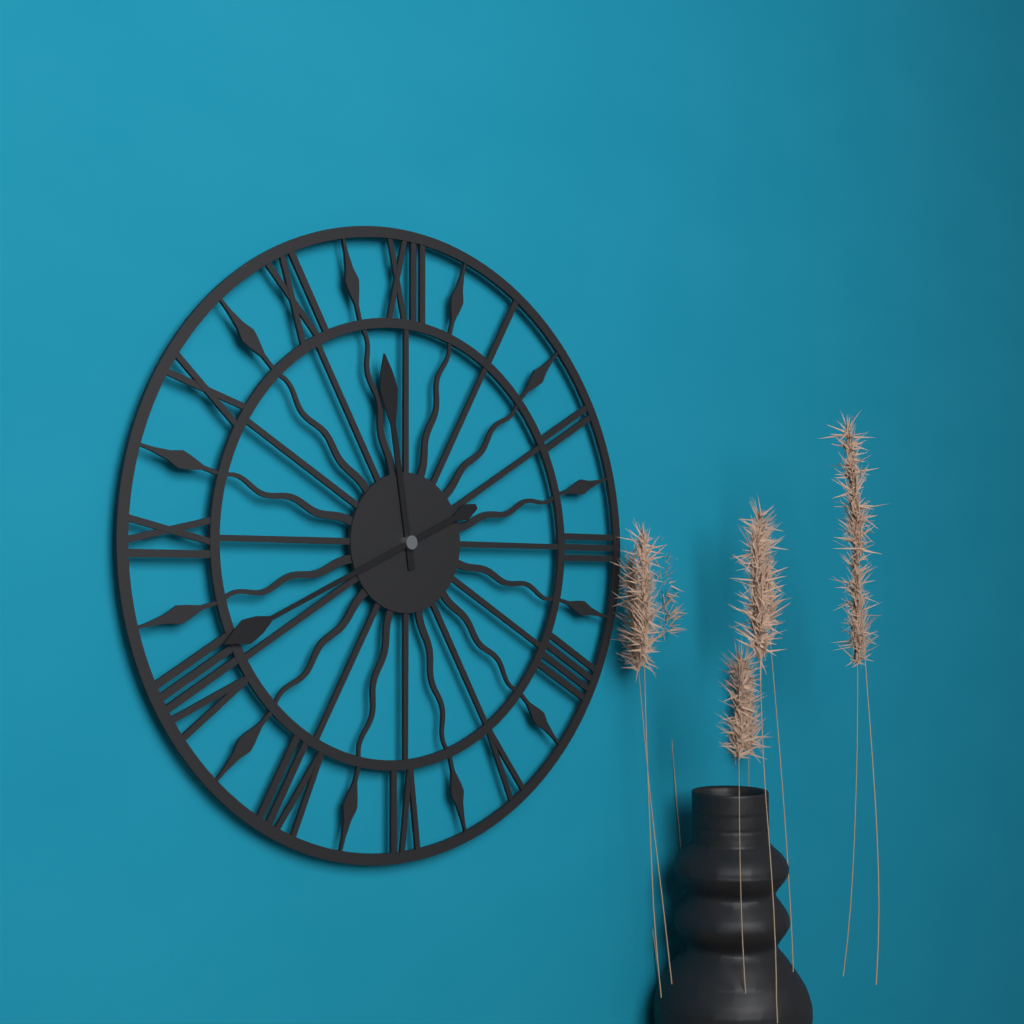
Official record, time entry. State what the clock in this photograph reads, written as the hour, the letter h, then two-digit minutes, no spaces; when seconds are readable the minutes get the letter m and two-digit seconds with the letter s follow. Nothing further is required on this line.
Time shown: 11h41
